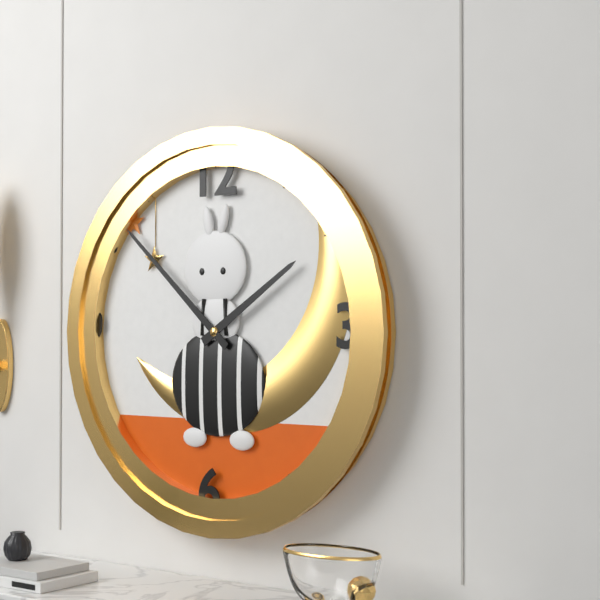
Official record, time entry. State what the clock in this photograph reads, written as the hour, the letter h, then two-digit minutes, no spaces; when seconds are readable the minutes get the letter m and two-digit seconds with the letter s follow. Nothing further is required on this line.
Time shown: 1h52
